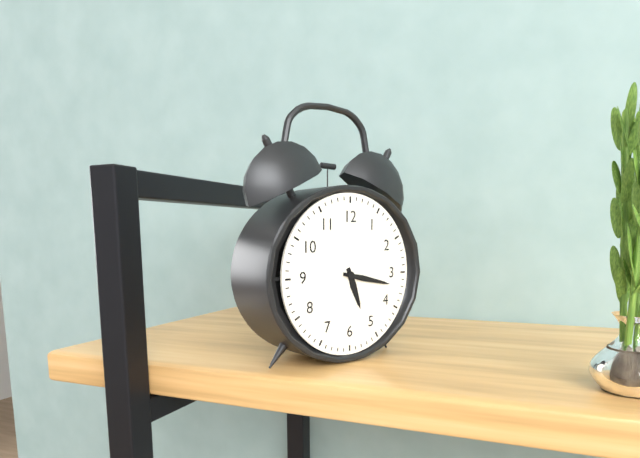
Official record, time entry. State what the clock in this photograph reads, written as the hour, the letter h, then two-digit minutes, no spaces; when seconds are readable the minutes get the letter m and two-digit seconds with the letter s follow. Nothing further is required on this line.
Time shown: 5h17
